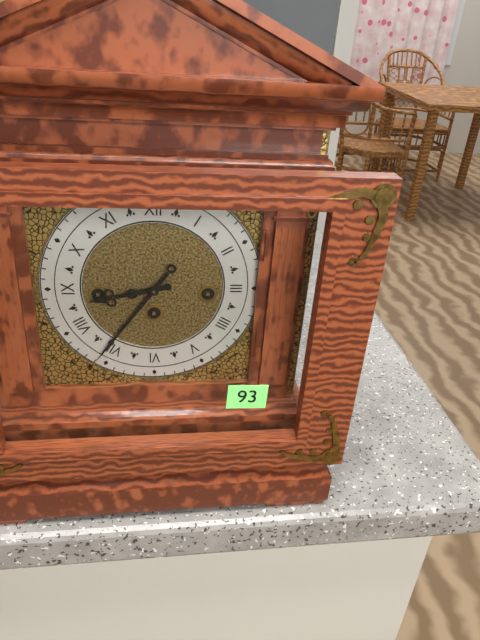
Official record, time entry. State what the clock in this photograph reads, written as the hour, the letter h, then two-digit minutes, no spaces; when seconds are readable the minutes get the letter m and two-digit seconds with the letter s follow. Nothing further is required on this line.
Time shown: 8h36
